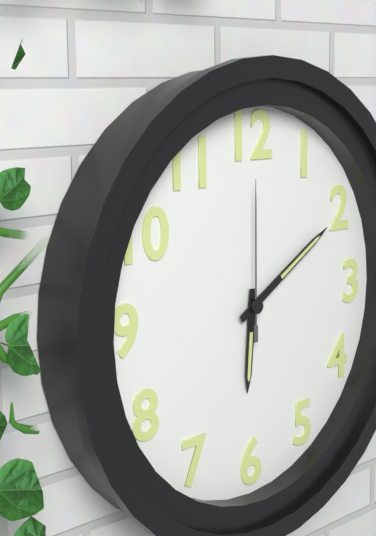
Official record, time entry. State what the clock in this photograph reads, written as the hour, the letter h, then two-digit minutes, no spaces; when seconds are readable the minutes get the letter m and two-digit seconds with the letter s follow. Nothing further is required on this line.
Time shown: 6h10m00s
